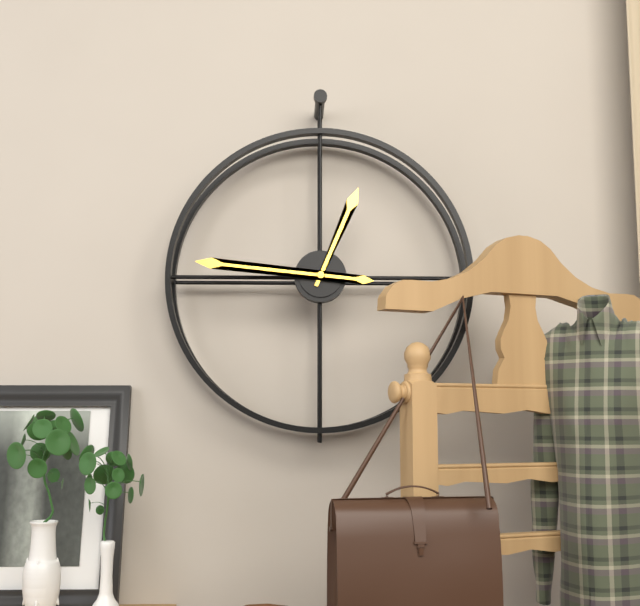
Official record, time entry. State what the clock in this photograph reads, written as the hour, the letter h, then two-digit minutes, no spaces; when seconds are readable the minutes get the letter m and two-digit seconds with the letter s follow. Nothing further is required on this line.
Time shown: 12h46
